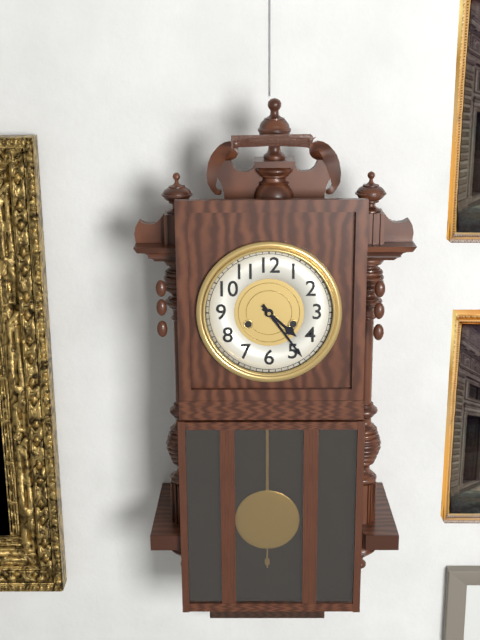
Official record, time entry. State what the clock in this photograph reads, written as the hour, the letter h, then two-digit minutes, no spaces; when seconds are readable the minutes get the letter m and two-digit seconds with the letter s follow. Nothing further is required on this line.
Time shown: 4h24
